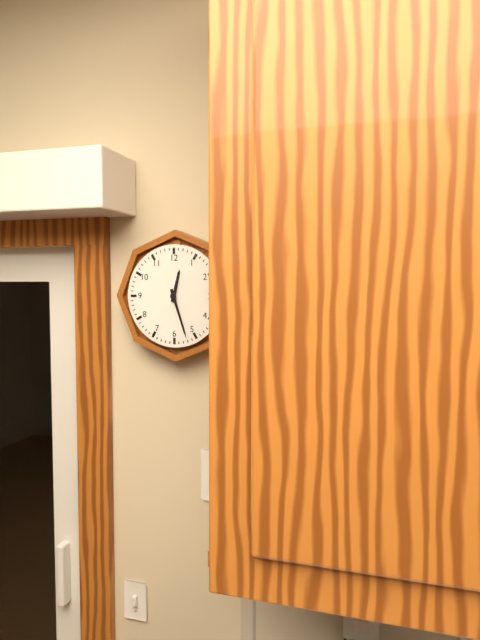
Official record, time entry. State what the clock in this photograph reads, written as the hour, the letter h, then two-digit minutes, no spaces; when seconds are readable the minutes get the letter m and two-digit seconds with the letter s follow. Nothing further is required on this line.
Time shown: 12h27
